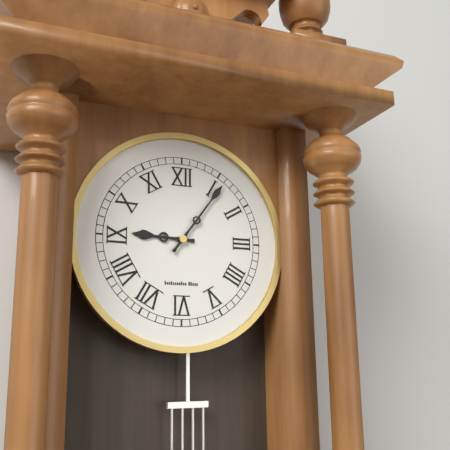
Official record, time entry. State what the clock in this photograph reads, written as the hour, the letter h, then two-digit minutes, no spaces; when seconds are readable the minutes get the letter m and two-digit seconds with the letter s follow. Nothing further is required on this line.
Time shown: 9h06
